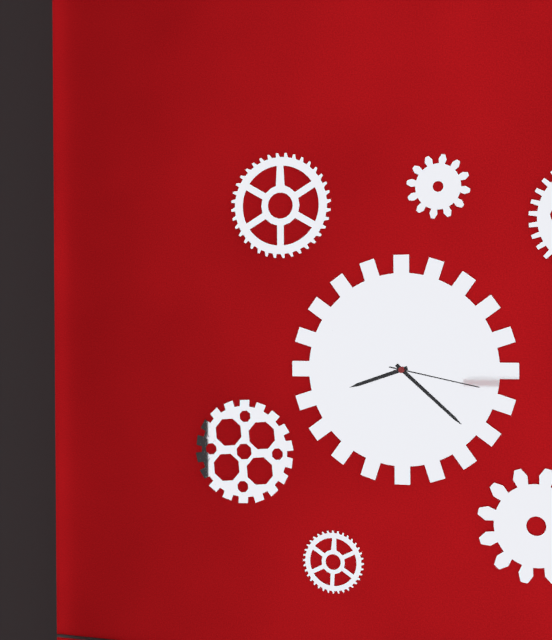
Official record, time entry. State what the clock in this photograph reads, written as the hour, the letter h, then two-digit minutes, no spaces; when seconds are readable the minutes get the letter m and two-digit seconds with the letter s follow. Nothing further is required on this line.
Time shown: 8h22m17s
